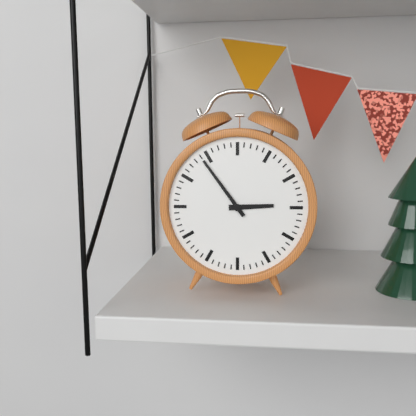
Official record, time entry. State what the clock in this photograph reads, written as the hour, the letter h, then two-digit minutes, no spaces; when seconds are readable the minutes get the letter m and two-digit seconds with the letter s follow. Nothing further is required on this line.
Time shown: 2h54
